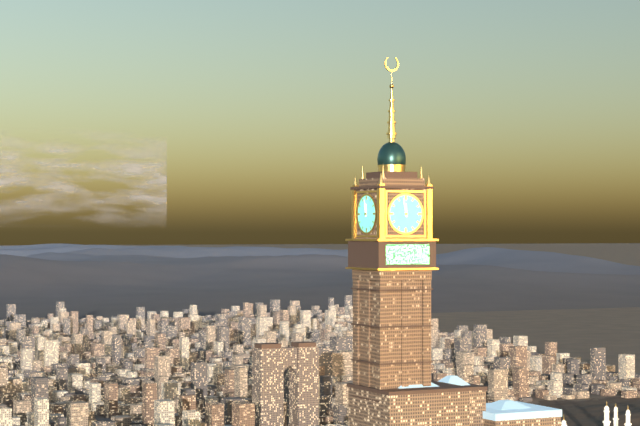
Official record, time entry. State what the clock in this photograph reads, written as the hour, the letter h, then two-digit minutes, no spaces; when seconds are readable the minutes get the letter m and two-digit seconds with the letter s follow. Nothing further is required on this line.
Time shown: 11h58
